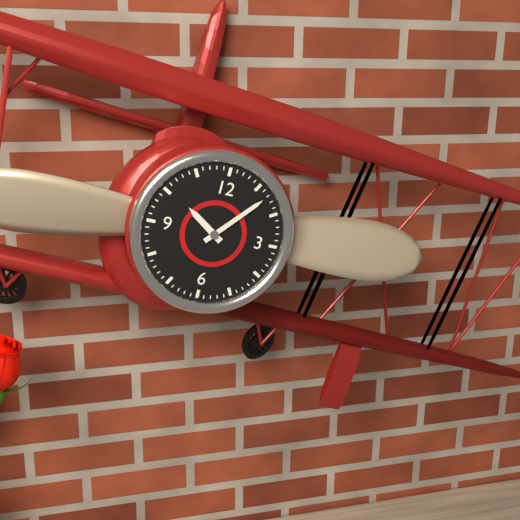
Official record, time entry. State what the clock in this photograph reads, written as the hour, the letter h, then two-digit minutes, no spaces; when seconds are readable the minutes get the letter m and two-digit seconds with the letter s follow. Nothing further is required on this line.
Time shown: 10h07
